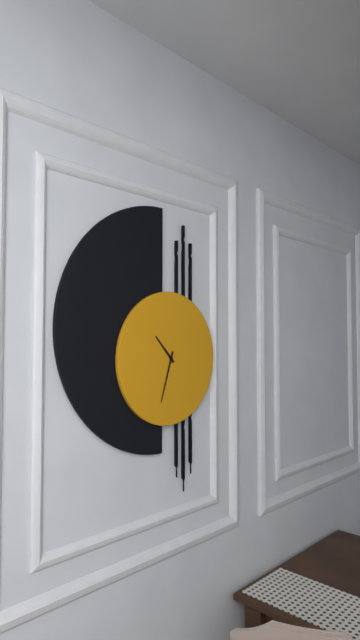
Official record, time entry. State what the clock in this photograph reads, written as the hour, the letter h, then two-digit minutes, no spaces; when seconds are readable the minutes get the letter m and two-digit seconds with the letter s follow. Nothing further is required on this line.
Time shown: 10h33
